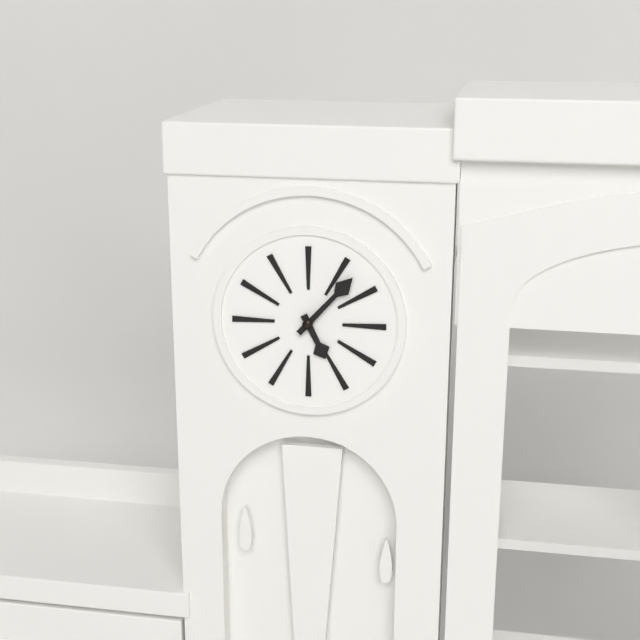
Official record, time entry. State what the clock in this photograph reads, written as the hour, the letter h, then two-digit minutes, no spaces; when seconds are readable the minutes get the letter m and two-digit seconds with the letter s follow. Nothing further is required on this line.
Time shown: 5h07
